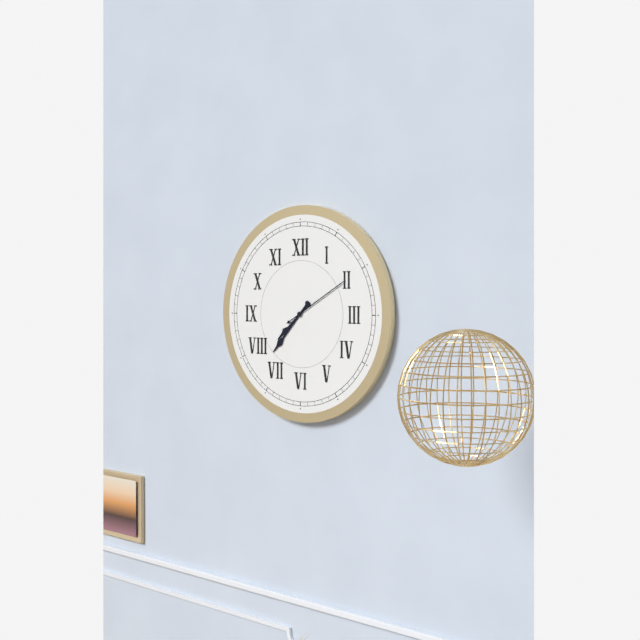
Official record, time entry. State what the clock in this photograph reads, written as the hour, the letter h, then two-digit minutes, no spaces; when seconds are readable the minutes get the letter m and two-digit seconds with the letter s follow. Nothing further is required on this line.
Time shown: 7h37m10s
